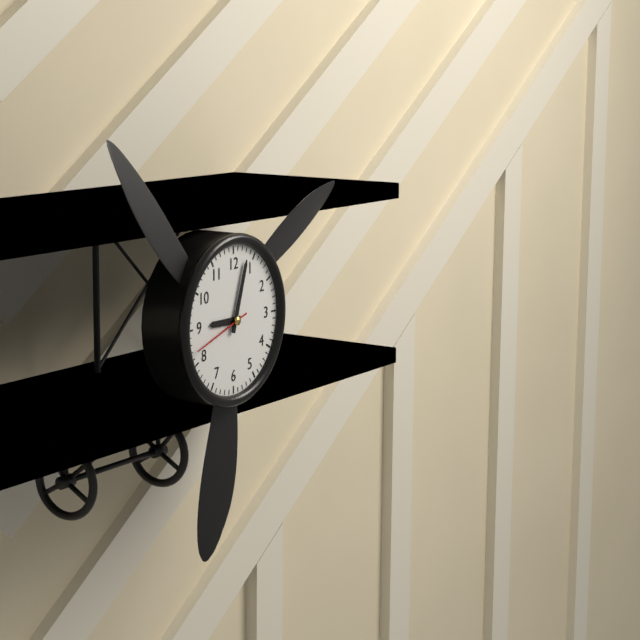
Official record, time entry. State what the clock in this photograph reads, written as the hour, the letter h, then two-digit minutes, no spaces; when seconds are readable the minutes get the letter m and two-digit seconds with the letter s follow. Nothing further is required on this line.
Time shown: 9h03m42s
